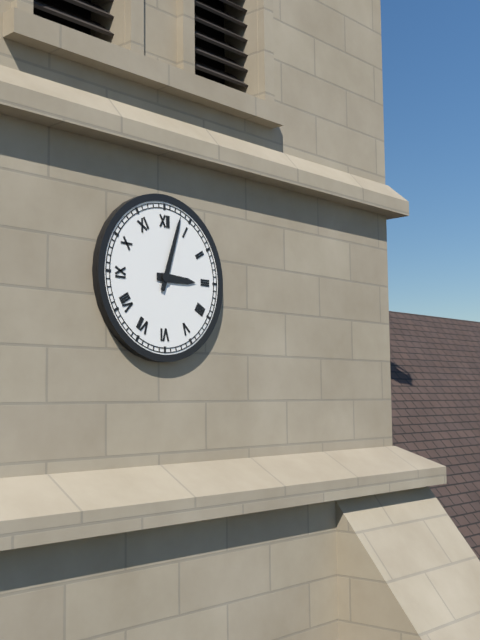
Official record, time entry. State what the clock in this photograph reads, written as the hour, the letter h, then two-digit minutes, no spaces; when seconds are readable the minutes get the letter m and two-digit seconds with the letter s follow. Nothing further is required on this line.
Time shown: 3h03
